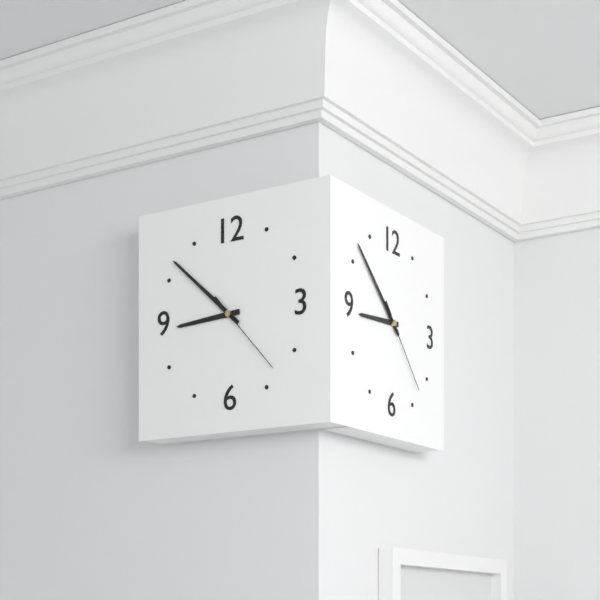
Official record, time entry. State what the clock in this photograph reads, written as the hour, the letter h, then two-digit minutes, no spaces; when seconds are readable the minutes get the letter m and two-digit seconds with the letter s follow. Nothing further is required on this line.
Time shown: 8h52m23s
